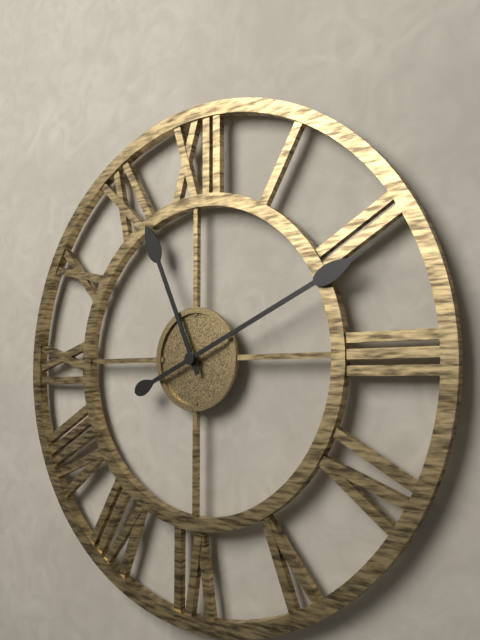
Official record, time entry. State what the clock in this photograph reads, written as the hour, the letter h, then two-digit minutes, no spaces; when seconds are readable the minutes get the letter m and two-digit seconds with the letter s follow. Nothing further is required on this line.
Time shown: 11h11
